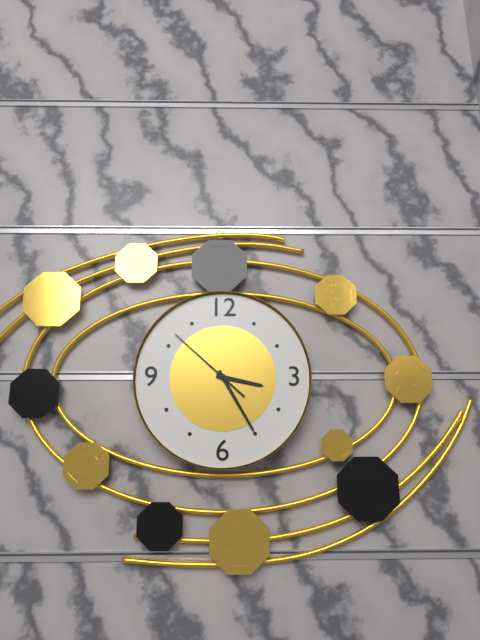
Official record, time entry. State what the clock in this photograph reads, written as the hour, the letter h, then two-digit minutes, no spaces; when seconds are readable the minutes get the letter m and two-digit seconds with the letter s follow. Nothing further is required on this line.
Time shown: 3h25m52s
